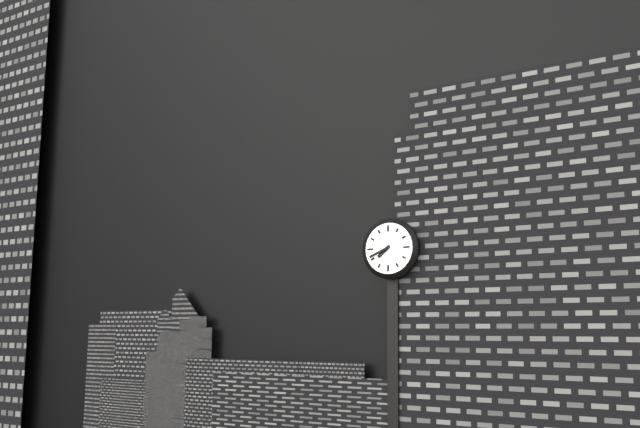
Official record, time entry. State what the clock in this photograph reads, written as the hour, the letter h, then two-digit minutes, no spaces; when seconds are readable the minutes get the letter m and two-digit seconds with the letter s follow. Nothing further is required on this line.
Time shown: 7h41
